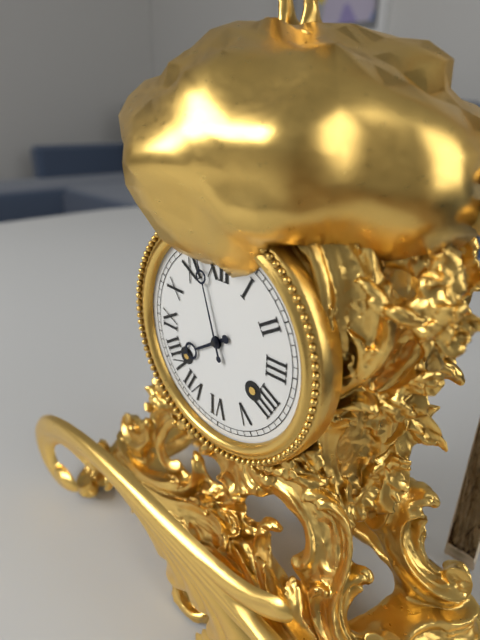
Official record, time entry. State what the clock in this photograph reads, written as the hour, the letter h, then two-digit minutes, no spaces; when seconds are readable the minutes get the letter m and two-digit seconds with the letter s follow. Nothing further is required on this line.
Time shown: 7h57
